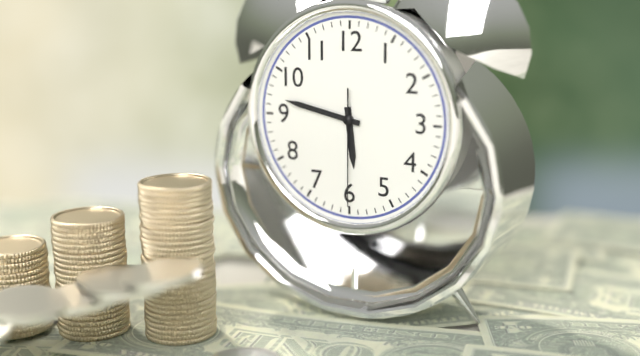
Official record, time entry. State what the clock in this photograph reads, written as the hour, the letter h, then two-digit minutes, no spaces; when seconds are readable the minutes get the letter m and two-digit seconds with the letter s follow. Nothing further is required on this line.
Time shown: 5h47m30s
